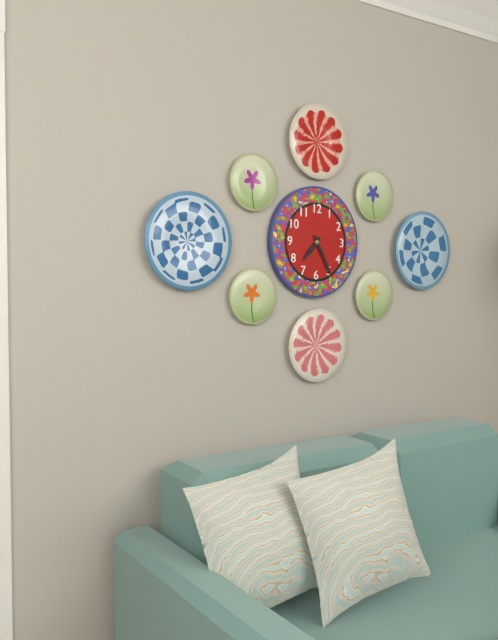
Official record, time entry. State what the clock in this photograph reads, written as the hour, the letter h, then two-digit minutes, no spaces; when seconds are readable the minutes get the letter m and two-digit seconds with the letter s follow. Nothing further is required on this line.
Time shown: 7h25
